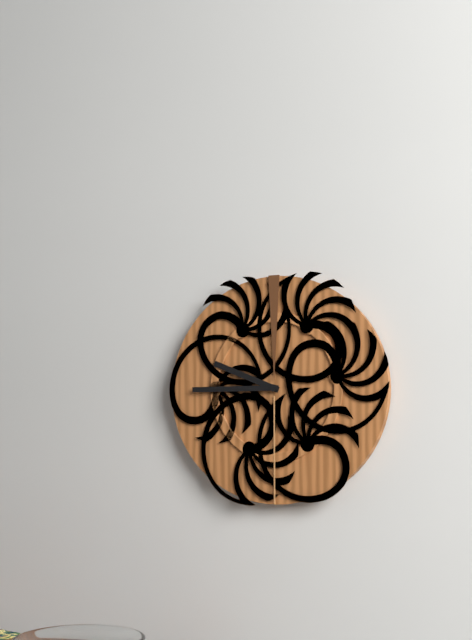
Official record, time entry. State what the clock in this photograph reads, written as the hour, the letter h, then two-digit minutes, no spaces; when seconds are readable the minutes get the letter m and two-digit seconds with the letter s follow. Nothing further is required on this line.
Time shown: 9h45
